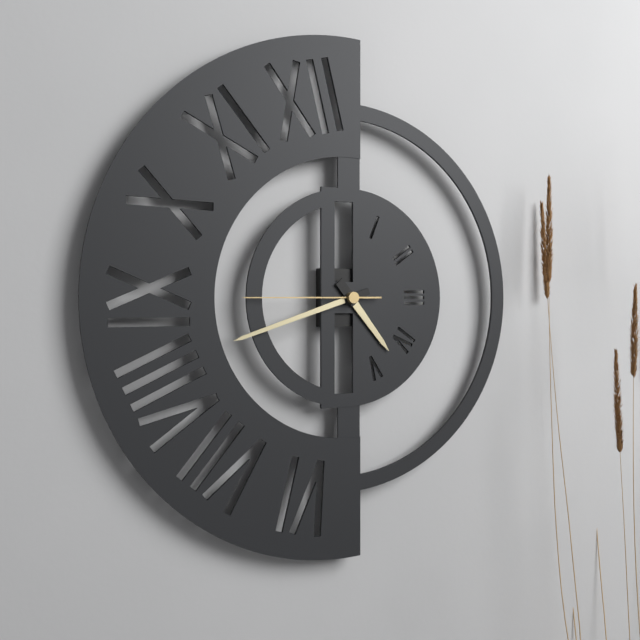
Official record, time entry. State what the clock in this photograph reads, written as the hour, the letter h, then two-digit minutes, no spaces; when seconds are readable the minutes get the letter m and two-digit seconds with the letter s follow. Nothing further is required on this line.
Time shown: 4h42m45s
